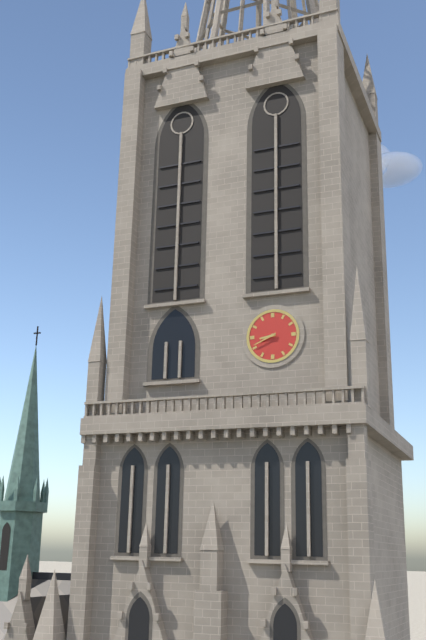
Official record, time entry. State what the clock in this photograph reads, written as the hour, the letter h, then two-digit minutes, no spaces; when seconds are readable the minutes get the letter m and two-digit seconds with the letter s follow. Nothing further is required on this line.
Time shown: 8h41
